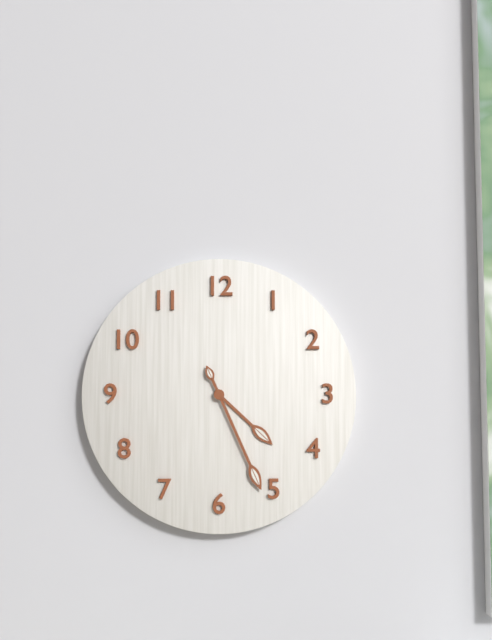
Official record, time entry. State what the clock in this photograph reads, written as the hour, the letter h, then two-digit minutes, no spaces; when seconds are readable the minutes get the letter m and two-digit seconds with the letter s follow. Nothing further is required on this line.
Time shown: 4h26
